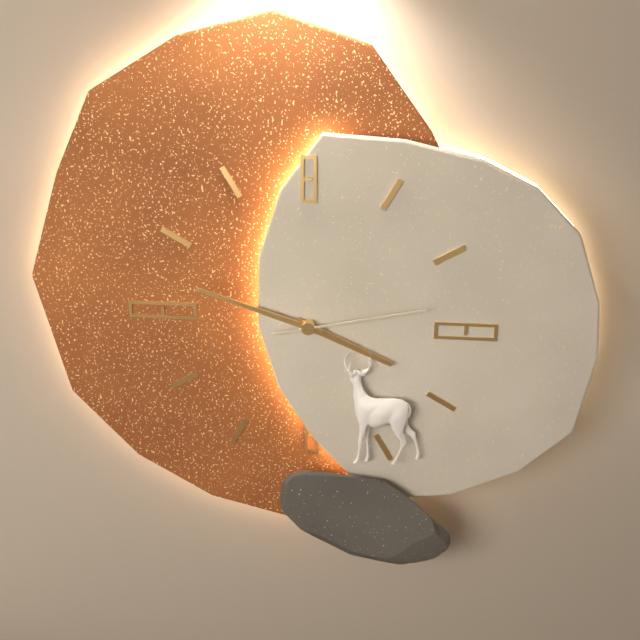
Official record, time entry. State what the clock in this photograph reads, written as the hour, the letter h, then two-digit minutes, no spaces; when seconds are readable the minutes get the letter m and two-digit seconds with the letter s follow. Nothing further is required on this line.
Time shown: 3h48m13s
